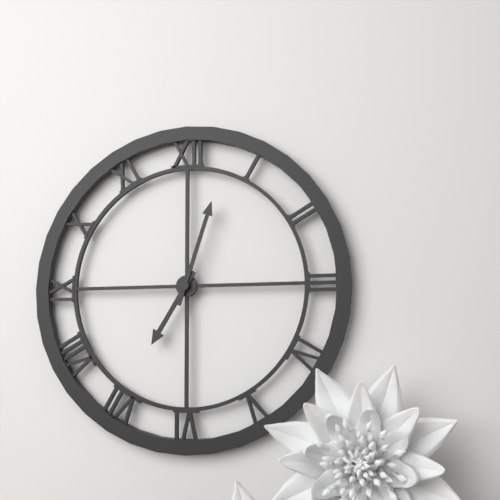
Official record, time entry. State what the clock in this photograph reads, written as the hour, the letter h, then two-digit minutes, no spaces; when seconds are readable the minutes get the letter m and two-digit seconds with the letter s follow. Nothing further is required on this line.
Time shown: 7h03
